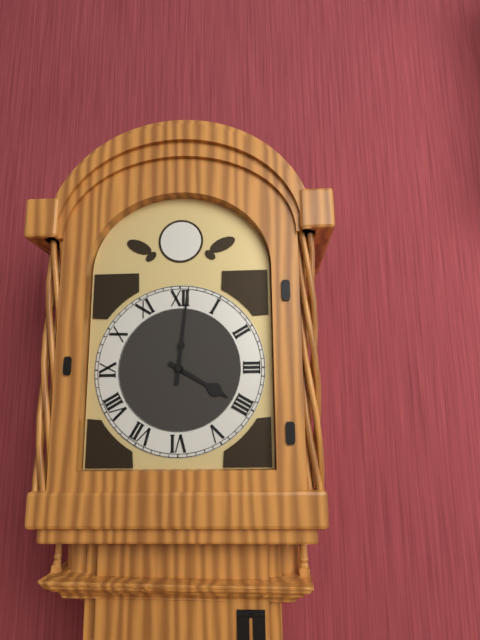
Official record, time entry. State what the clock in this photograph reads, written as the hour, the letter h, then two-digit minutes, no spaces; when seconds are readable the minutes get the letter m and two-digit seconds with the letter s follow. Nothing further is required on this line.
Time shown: 4h01
